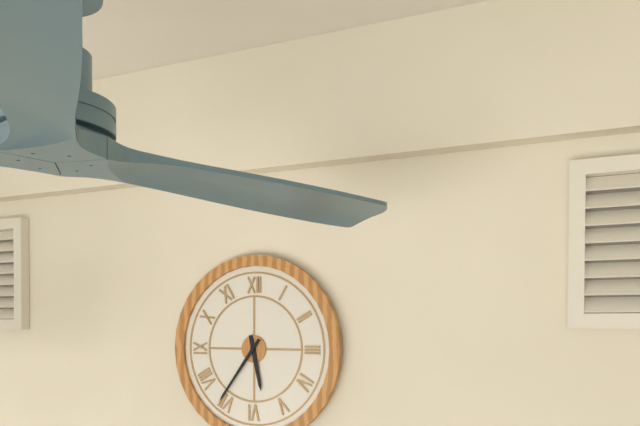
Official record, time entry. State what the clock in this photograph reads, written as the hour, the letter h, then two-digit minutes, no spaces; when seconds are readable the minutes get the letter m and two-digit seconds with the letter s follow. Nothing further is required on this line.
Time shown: 5h36
